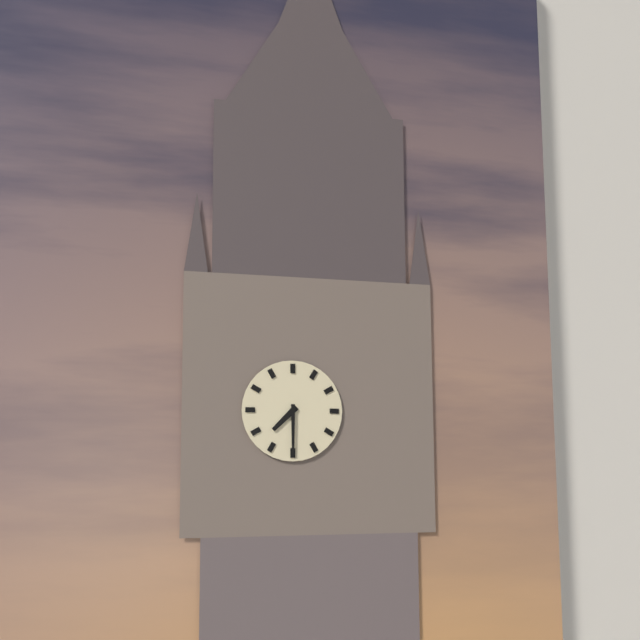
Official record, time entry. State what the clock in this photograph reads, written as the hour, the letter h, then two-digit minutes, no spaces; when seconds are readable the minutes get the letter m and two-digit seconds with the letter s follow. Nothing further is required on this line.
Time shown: 7h30
